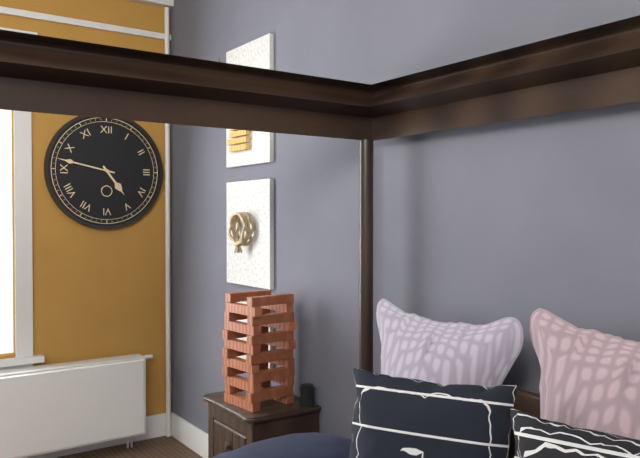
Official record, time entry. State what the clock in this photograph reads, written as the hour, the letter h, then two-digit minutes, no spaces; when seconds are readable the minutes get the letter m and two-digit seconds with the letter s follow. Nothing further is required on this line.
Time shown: 4h47
